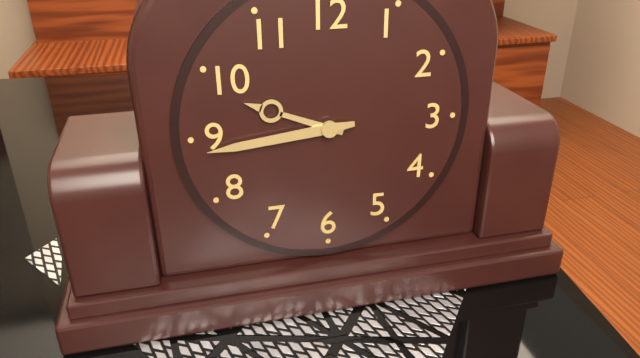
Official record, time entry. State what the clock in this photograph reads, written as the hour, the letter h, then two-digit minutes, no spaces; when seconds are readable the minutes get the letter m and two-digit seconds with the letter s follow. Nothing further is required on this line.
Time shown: 9h44
